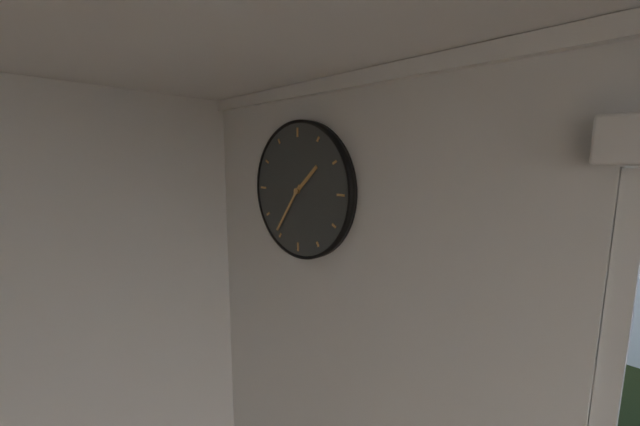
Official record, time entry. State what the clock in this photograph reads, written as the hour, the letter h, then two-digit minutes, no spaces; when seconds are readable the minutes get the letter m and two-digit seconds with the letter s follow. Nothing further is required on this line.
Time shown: 1h36
